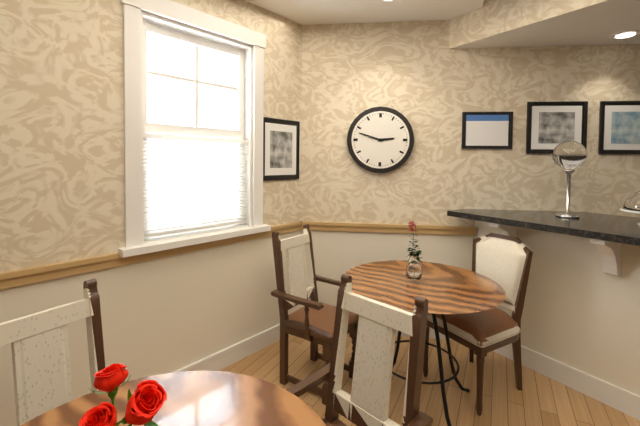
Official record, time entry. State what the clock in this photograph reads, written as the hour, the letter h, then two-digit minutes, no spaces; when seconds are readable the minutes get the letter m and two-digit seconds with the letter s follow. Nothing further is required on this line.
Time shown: 2h48
